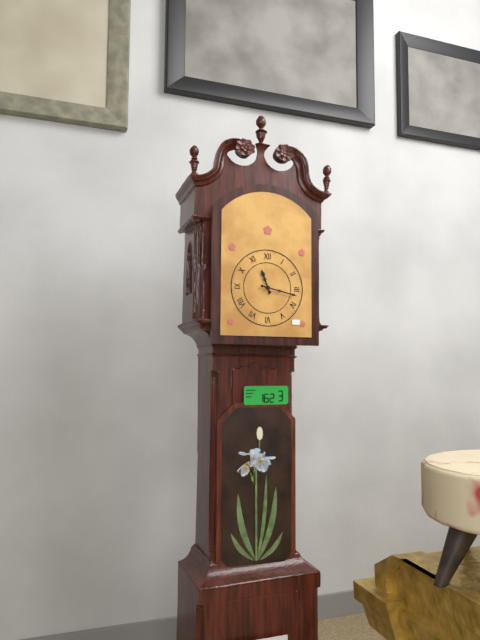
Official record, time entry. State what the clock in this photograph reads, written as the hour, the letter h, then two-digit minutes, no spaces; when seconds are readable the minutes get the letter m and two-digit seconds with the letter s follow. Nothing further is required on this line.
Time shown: 11h17
